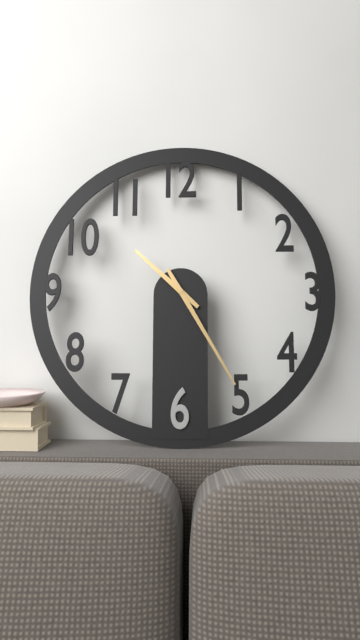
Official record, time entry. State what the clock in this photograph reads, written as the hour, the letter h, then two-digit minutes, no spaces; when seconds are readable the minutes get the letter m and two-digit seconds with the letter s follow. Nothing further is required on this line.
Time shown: 10h25
